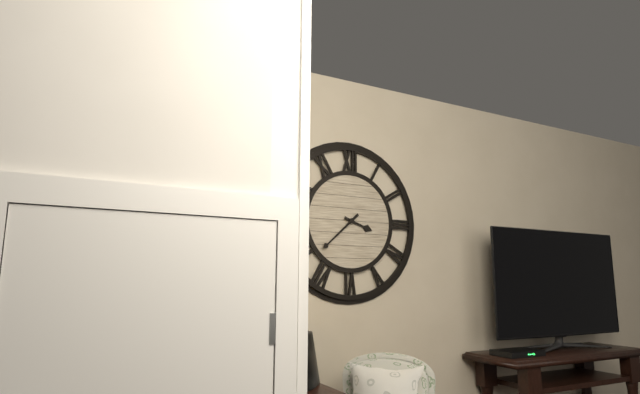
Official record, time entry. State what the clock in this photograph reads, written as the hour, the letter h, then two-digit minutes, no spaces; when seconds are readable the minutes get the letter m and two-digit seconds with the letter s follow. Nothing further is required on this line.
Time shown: 3h38
